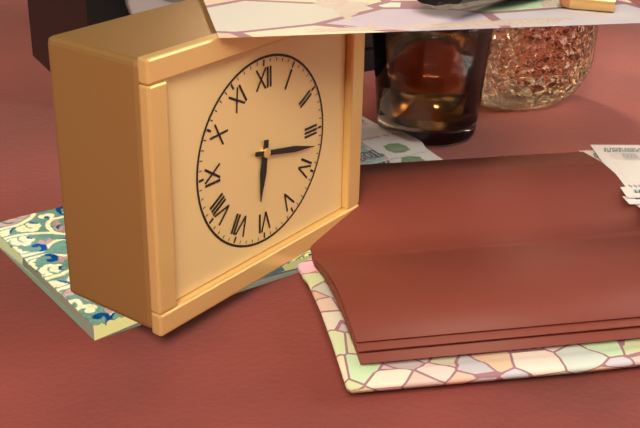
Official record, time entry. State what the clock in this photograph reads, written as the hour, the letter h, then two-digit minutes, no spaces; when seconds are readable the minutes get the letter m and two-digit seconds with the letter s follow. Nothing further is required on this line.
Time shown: 6h17
